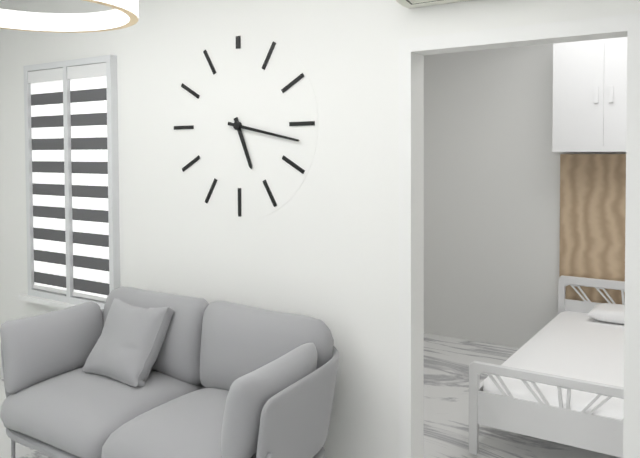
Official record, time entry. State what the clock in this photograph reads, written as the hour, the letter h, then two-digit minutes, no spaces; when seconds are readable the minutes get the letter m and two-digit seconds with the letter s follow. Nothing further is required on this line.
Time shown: 5h17
